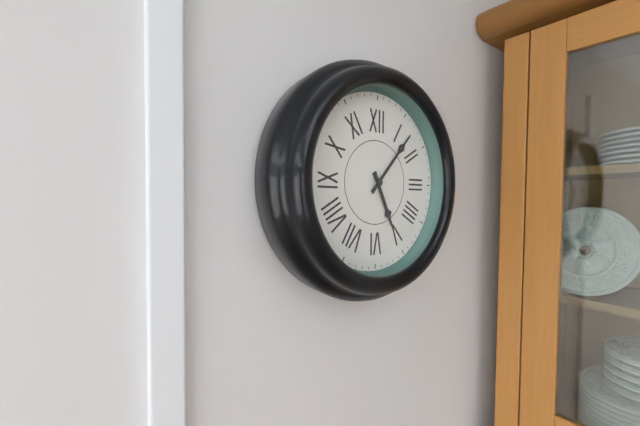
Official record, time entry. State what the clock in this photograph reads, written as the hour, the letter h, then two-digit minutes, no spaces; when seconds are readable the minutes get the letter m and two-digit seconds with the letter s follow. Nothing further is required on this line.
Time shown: 5h07
